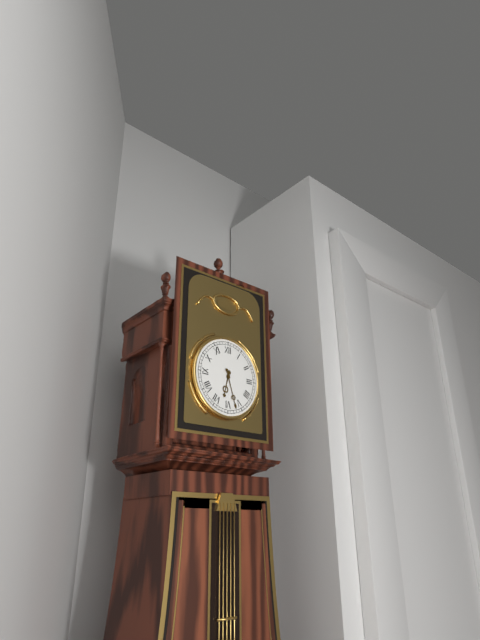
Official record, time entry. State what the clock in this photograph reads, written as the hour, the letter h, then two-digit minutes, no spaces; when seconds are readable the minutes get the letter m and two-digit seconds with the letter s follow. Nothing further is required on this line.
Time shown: 6h27
